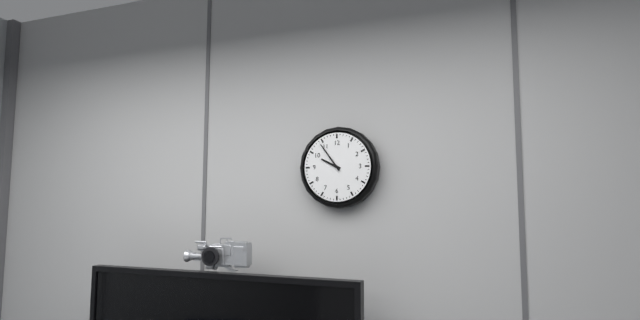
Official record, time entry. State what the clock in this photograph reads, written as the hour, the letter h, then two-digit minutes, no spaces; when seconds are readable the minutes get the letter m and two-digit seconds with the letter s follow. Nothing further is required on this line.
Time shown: 9h54
